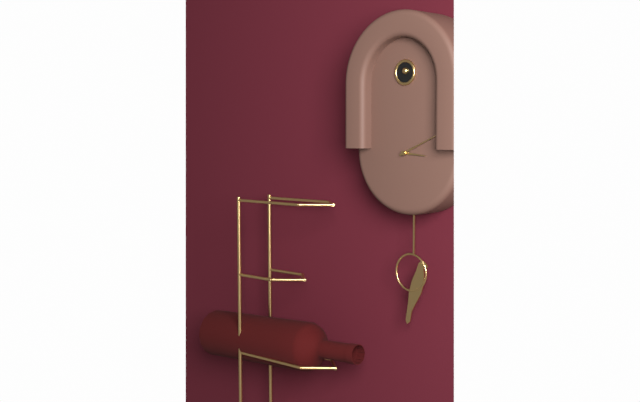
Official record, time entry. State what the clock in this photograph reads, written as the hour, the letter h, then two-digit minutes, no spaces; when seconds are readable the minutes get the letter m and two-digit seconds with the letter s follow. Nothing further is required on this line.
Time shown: 3h11
